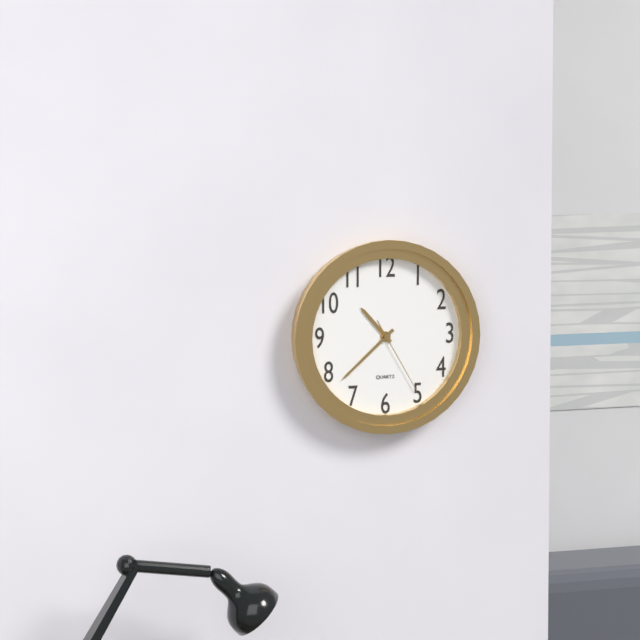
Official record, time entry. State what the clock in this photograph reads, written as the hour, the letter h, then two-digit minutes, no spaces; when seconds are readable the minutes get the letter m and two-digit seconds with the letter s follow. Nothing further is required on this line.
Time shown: 10h38m25s
